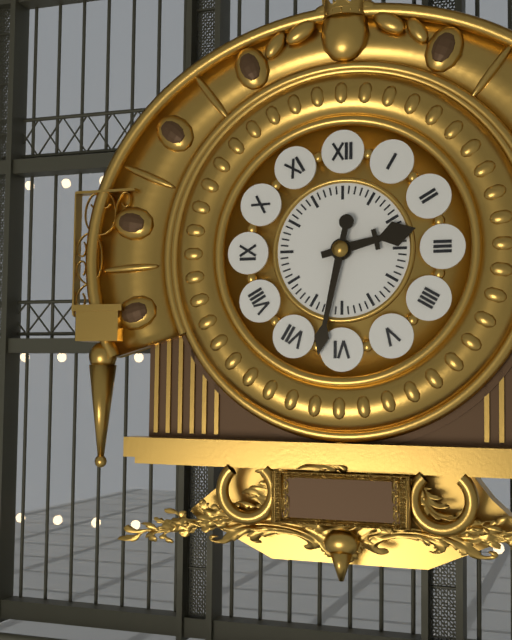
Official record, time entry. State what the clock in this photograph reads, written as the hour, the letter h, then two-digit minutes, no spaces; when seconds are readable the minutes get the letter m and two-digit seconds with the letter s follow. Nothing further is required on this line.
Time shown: 2h32
